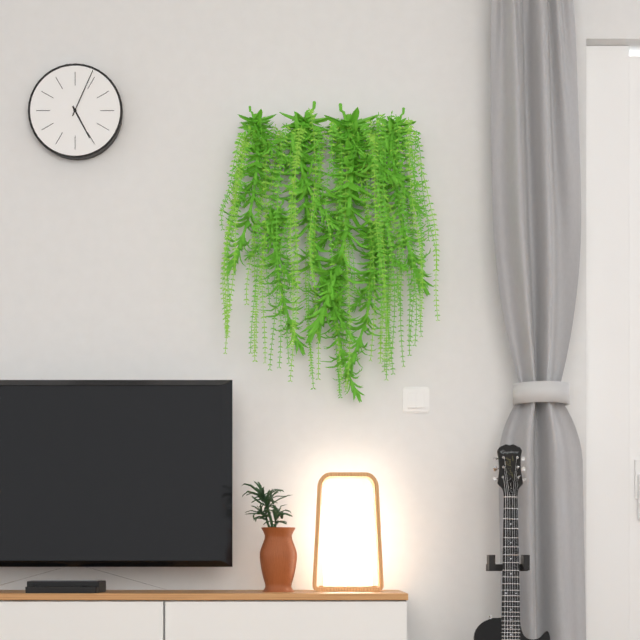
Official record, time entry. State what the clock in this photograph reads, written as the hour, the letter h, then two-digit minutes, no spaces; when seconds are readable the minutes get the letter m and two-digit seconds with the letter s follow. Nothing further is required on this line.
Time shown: 5h04
